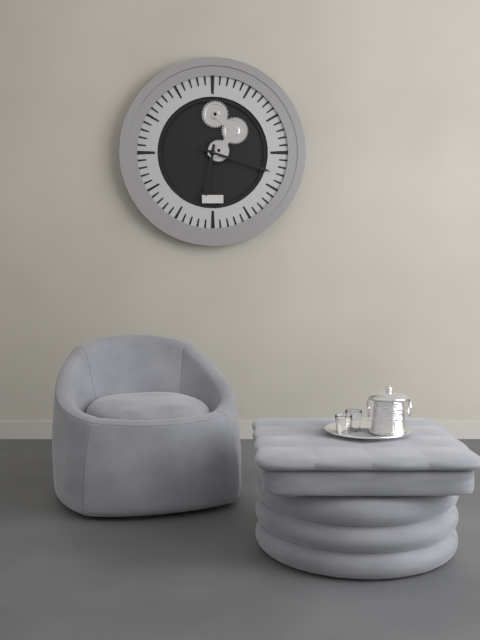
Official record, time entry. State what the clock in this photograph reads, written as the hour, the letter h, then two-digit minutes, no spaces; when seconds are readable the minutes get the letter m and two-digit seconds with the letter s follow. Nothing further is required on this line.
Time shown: 6h18
